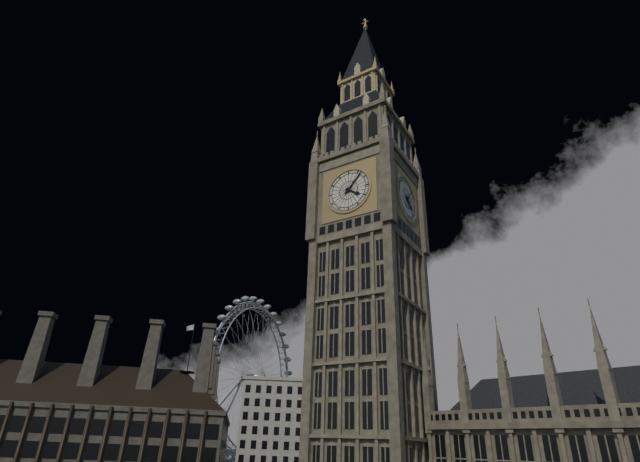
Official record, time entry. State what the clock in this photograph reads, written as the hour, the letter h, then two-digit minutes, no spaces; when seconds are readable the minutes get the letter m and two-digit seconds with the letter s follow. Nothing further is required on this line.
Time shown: 4h07
